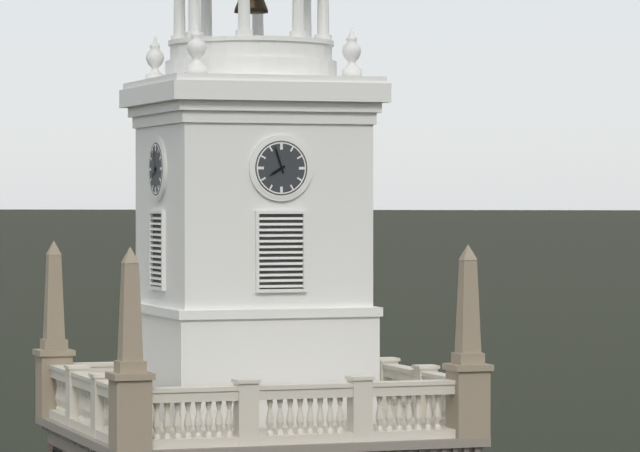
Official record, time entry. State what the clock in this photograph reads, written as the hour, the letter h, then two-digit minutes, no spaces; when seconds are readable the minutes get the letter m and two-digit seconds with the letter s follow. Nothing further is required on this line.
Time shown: 7h57
